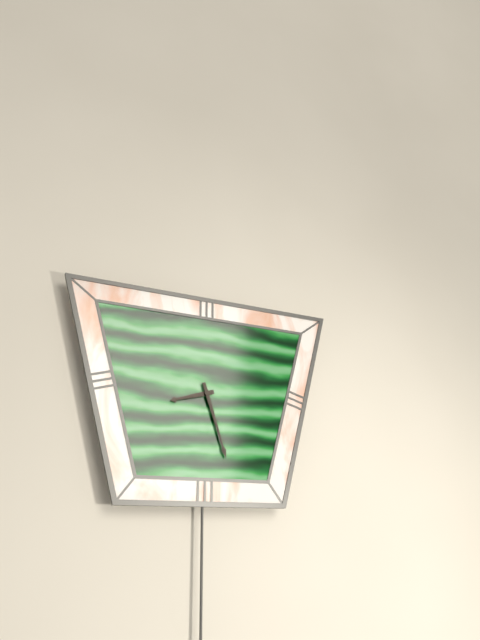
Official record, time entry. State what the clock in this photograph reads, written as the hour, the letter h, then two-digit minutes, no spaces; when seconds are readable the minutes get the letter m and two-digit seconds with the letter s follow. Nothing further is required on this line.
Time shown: 8h27
